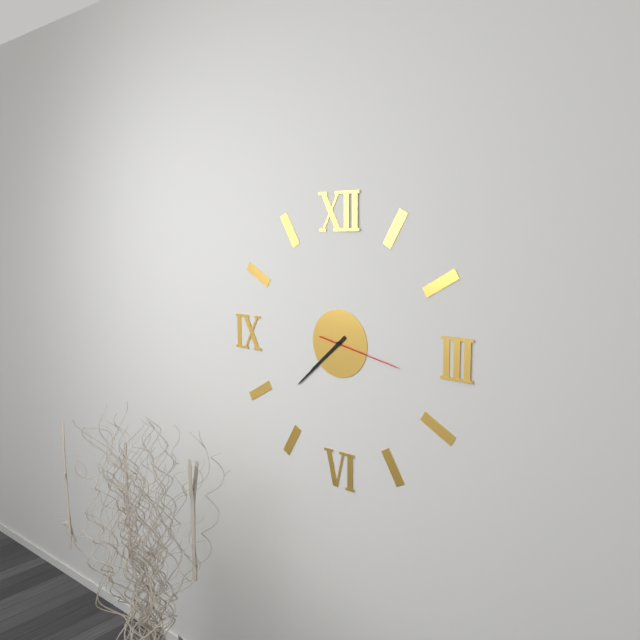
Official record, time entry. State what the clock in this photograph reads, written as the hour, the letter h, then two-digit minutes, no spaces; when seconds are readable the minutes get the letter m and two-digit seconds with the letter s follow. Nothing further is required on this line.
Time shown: 7h38m17s
